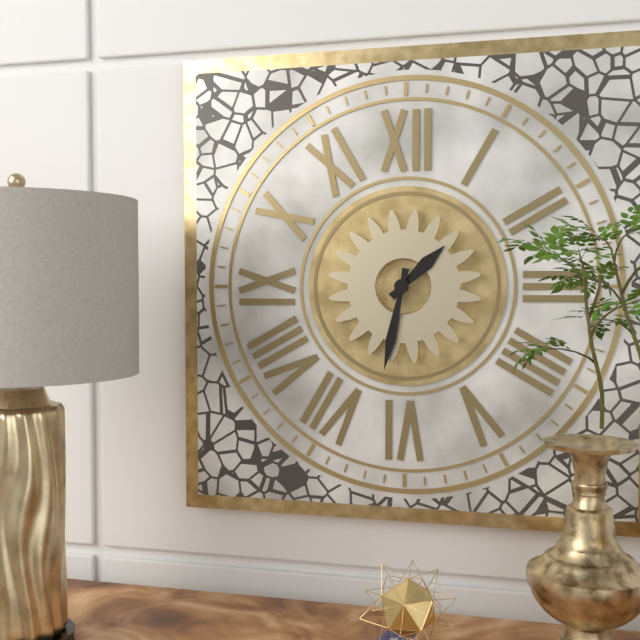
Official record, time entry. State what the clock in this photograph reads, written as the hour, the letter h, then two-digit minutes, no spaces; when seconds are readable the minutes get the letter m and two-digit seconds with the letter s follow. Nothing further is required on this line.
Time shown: 1h32
